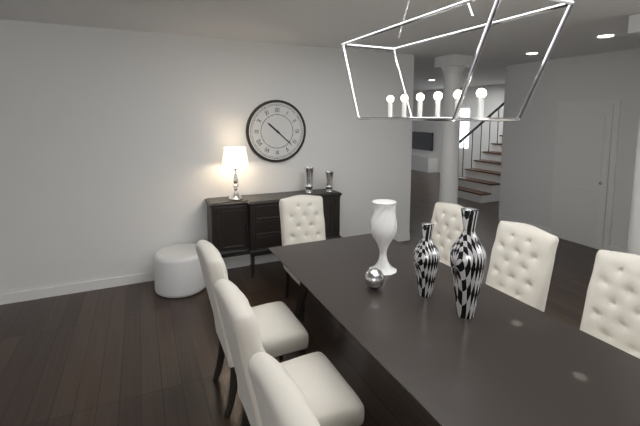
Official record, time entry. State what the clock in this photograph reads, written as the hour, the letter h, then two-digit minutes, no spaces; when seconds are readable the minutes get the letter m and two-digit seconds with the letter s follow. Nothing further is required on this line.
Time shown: 10h22
